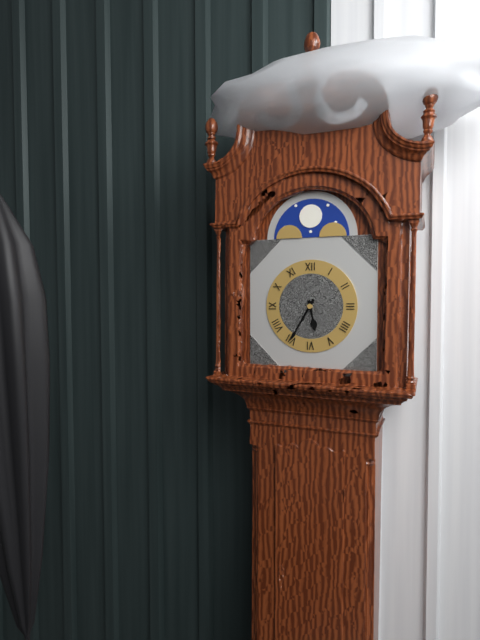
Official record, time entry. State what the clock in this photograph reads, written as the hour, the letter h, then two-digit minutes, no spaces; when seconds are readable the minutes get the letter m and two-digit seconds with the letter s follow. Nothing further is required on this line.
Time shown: 5h35
